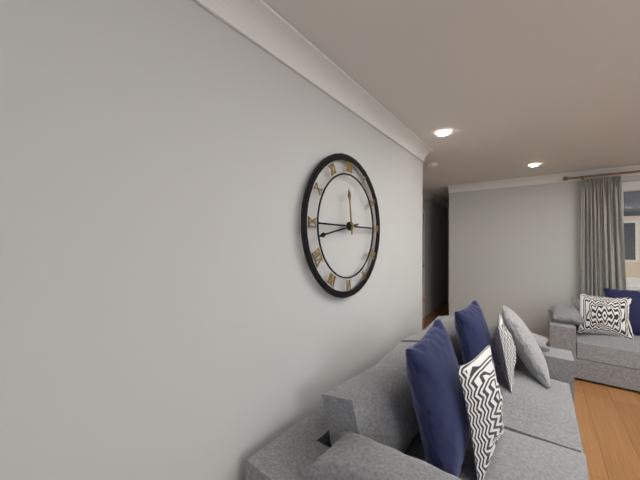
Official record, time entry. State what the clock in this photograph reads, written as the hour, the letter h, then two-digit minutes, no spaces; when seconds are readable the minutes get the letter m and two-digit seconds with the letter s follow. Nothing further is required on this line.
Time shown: 11h43
